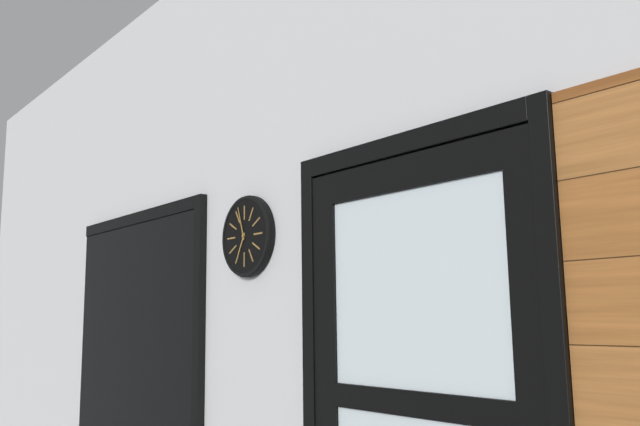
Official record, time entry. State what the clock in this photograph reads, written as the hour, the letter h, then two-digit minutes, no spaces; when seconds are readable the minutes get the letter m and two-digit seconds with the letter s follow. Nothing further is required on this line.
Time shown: 6h57
